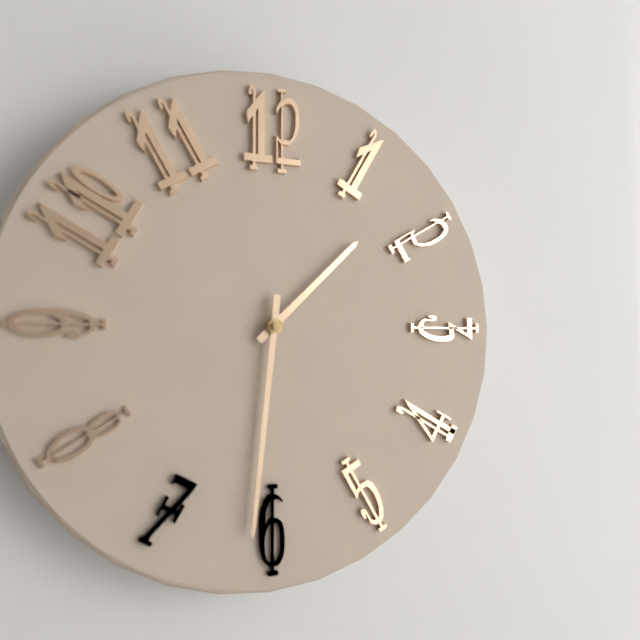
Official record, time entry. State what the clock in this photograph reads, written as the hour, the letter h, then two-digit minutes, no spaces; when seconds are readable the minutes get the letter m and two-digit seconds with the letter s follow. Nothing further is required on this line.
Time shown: 1h31
